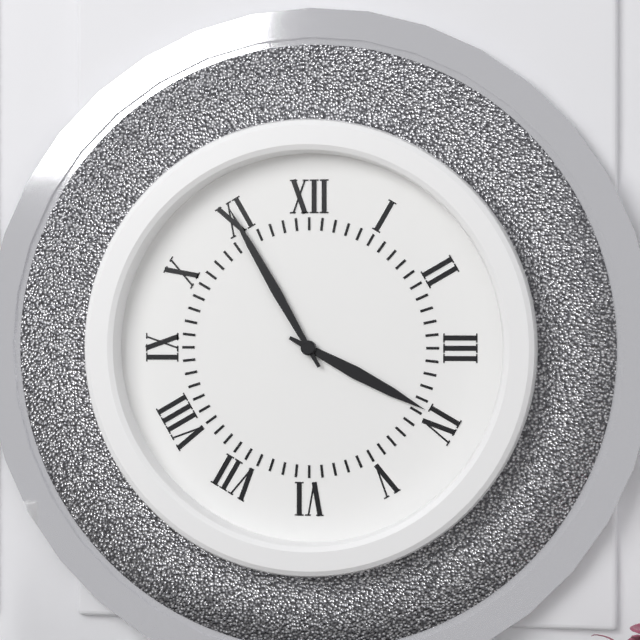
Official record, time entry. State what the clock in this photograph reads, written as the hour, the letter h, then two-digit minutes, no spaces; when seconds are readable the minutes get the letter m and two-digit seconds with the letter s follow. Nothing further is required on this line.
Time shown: 3h55
